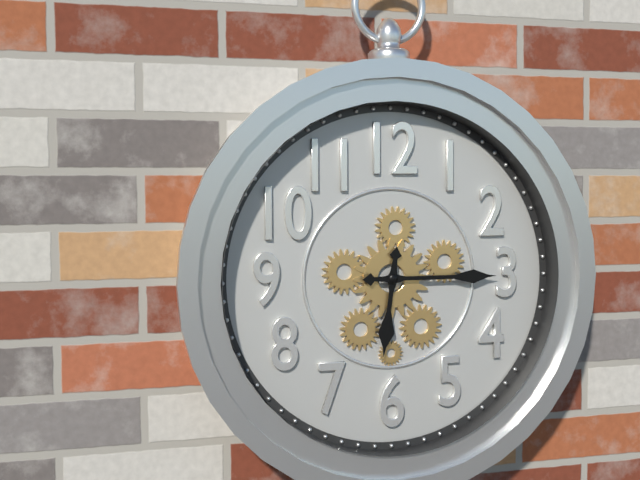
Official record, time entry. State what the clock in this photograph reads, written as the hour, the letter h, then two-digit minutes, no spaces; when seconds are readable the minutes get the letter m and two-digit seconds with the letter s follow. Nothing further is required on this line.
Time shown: 6h15
